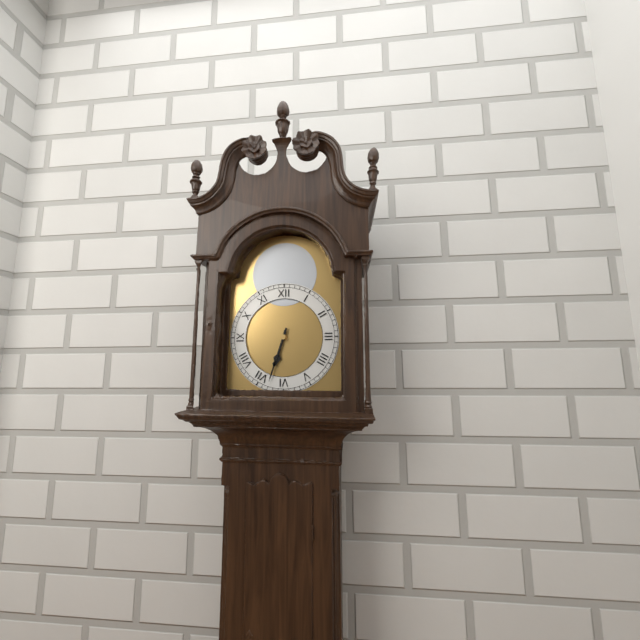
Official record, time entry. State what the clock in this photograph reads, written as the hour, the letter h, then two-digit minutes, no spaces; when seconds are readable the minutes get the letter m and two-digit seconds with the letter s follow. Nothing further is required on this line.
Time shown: 6h33
